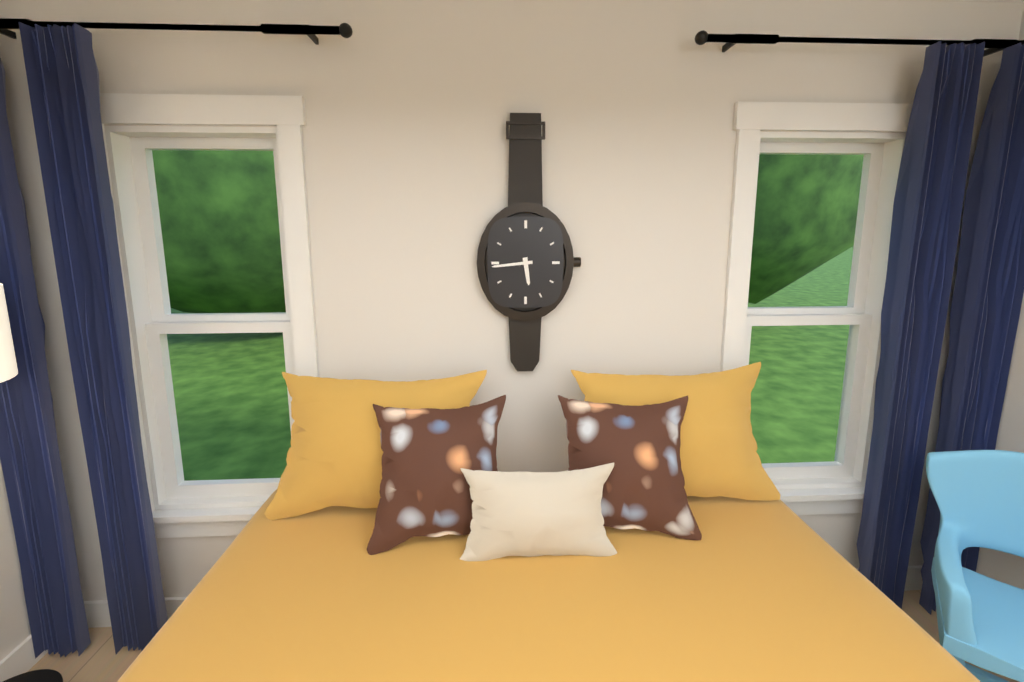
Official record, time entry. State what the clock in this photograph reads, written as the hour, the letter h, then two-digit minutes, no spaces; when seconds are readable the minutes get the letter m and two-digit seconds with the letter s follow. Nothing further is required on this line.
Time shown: 5h44
